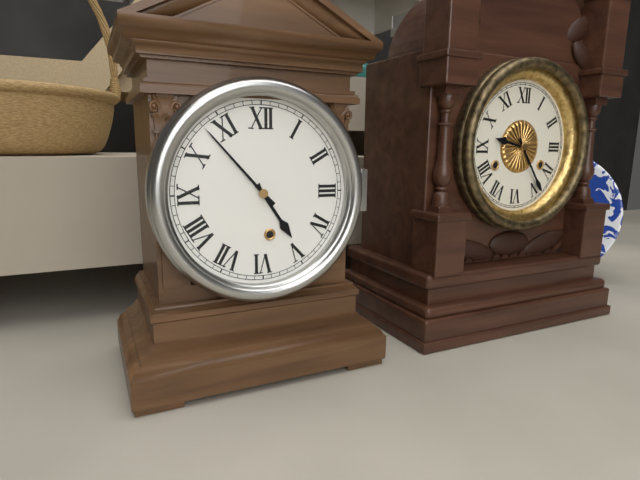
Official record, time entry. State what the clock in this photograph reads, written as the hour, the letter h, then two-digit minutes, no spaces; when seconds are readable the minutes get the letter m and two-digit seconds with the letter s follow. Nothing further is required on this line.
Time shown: 4h53
